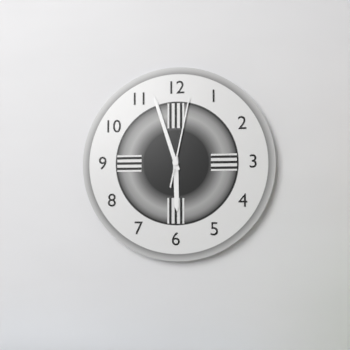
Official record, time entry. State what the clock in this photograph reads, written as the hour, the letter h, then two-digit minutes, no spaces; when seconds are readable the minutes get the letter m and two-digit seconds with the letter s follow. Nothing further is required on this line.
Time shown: 5h57m02s
